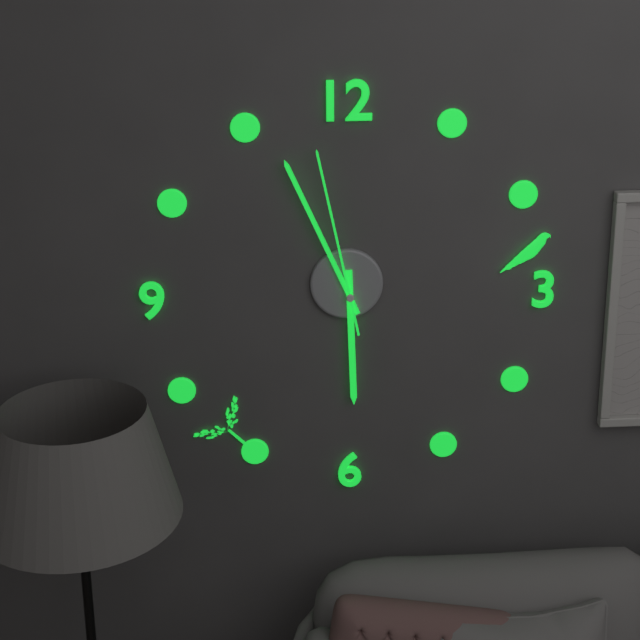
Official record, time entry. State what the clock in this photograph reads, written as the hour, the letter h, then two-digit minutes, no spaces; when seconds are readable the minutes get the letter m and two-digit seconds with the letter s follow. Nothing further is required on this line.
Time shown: 5h56m58s
